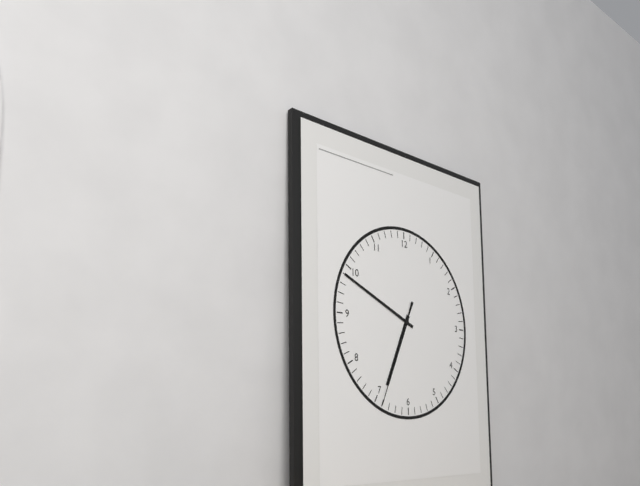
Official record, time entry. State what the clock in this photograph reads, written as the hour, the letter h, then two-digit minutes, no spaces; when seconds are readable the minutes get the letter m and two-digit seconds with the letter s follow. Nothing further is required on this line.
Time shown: 6h49m34s
